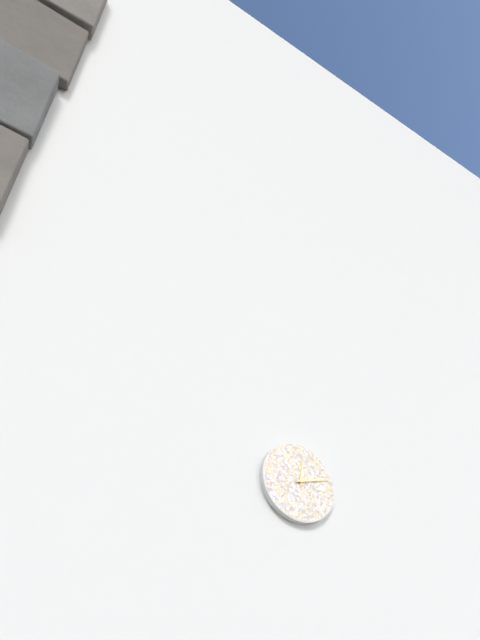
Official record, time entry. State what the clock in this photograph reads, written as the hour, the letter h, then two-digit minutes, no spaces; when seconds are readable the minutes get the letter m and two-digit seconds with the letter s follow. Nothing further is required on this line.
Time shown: 12h12
